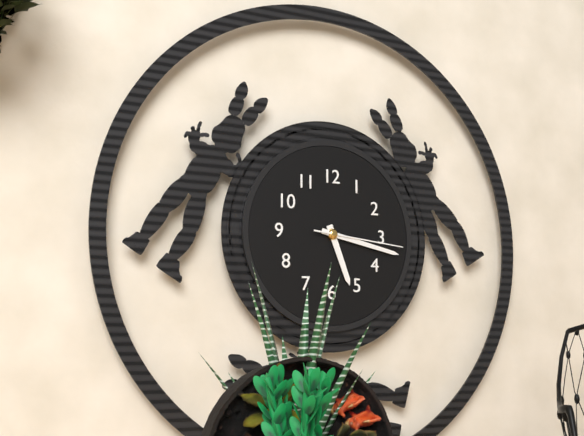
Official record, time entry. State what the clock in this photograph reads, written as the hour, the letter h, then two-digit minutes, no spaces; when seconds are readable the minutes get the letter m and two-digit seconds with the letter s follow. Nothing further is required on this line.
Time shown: 5h17m16s
